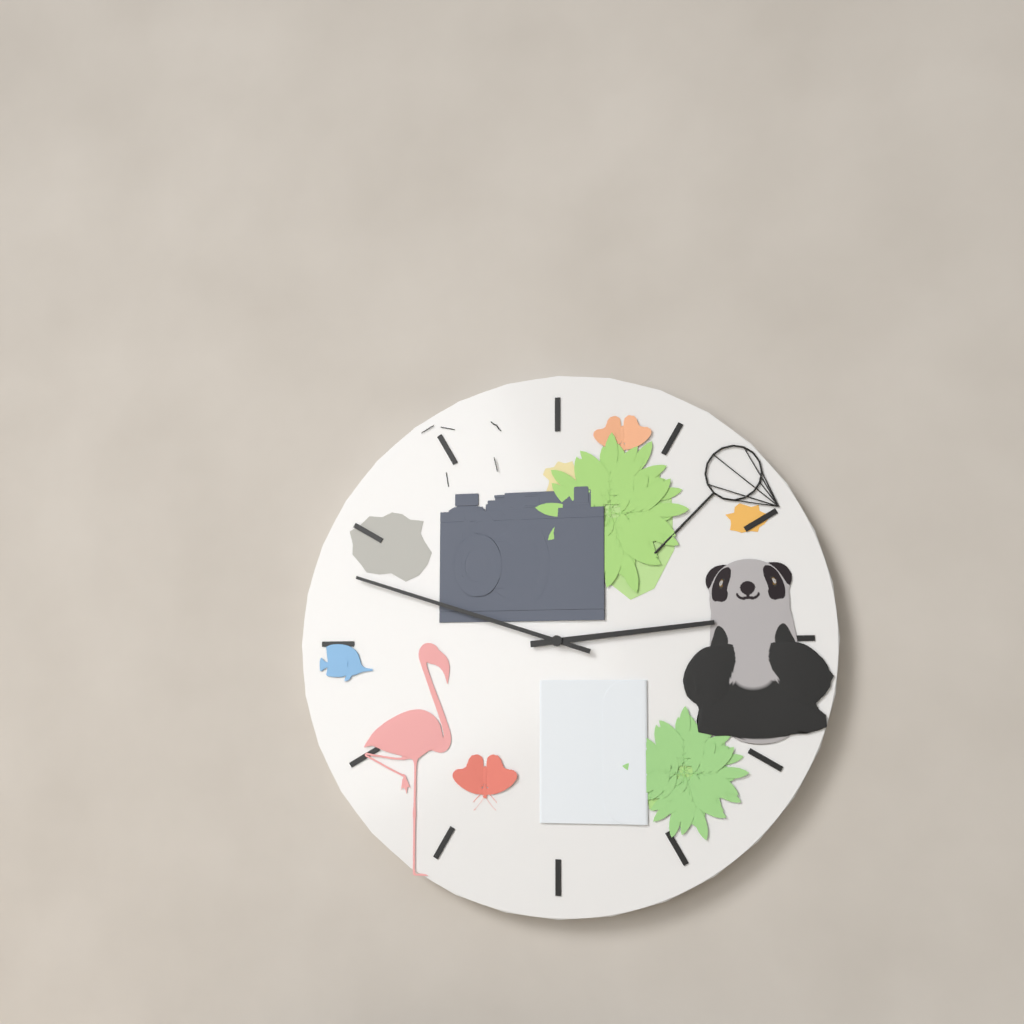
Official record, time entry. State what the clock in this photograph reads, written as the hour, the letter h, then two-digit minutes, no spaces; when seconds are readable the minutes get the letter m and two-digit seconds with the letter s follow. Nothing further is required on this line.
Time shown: 2h48
